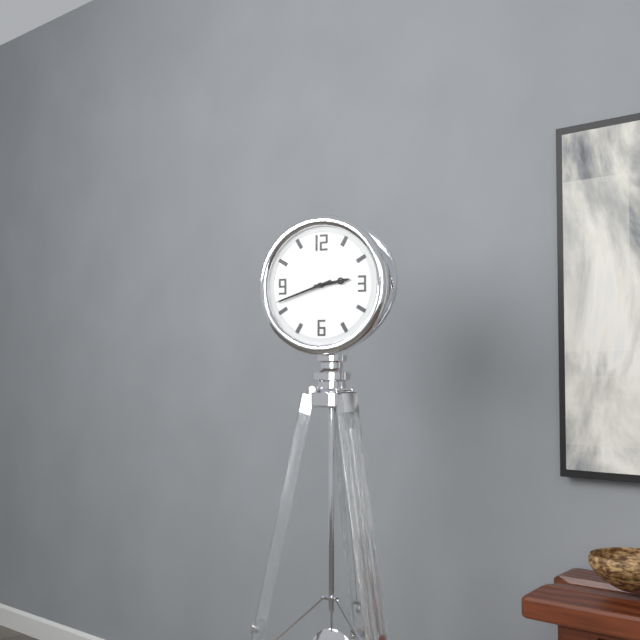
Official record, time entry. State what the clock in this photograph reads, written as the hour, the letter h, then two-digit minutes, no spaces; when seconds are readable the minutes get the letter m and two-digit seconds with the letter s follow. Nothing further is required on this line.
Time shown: 2h42
